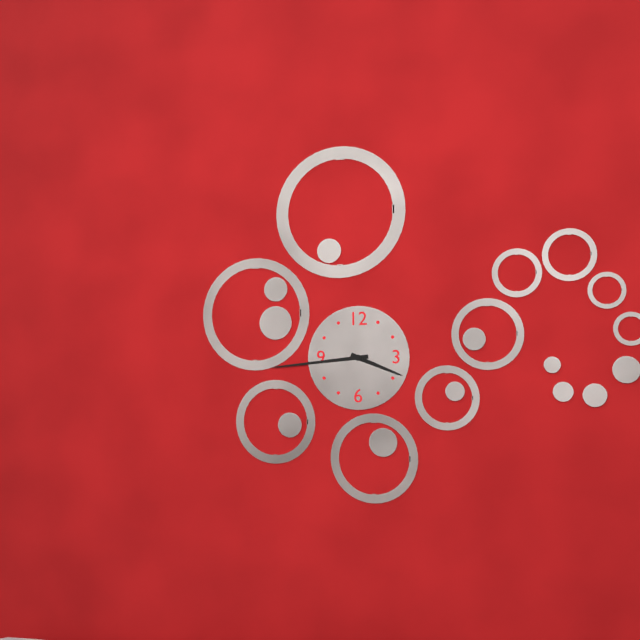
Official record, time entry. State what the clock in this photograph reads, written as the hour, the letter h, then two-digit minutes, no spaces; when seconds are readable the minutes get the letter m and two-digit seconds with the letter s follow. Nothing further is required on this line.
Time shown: 3h44
